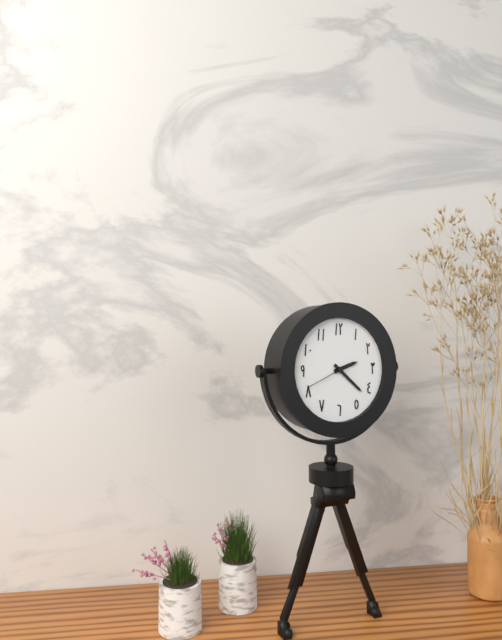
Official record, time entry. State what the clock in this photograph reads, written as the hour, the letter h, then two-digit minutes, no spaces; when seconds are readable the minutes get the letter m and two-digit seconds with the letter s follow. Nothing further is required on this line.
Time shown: 2h22
